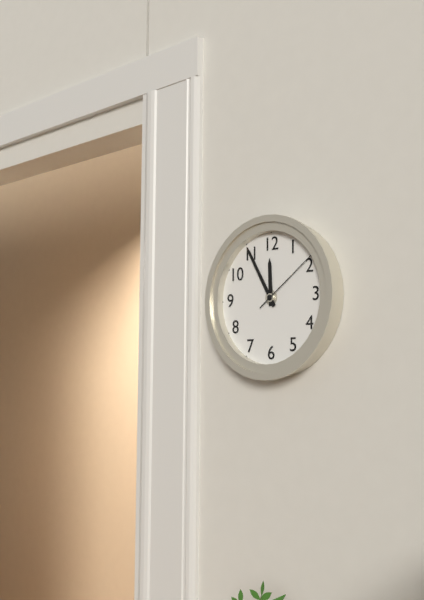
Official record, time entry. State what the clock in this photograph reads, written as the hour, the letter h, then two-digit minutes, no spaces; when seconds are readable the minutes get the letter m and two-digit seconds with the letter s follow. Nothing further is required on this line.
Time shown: 11h55m09s
